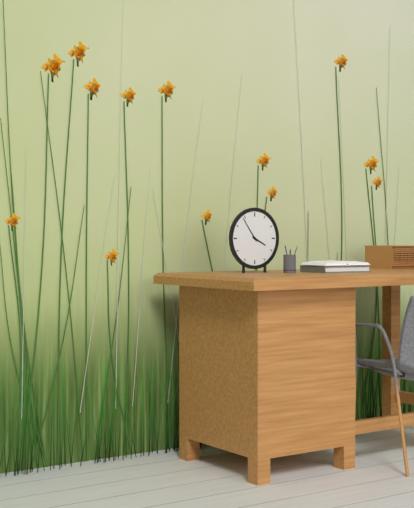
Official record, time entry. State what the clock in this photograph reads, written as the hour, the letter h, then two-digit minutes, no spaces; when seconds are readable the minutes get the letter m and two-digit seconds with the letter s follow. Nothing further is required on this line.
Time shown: 3h54
